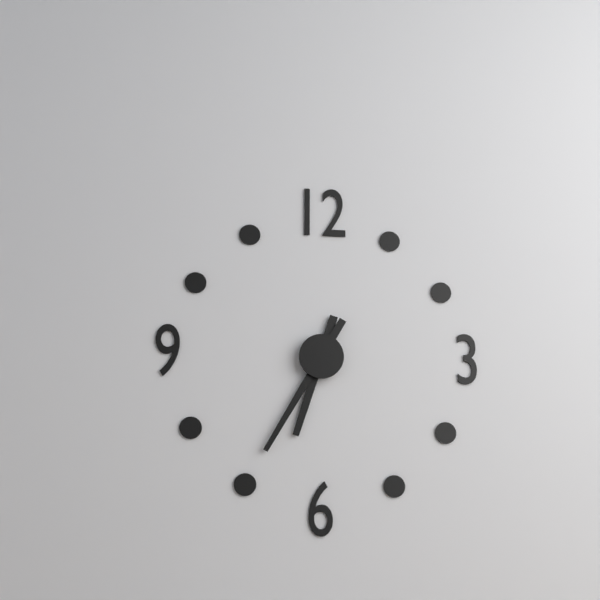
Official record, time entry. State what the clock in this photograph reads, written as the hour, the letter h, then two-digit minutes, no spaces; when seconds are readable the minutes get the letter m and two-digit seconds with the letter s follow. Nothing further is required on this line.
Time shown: 6h35
